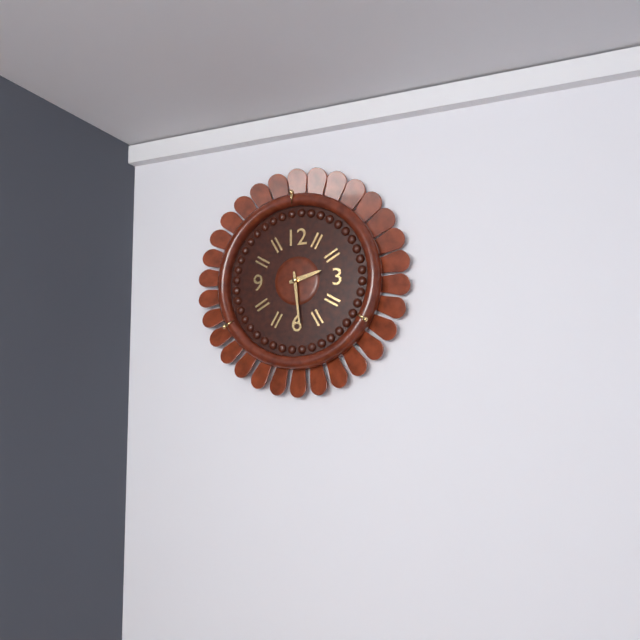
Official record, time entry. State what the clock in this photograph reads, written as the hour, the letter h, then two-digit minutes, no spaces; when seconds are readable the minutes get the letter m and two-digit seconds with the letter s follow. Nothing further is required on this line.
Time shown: 2h29
